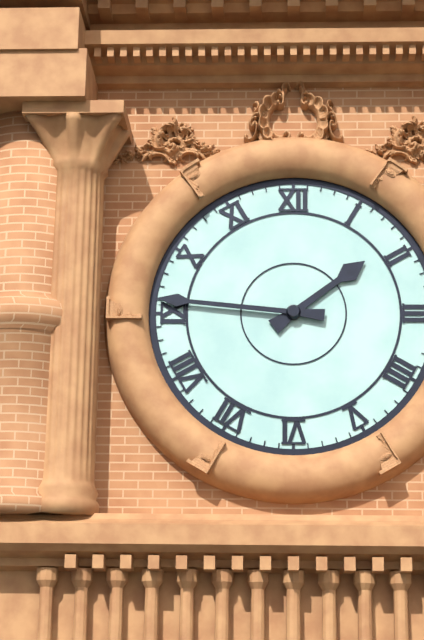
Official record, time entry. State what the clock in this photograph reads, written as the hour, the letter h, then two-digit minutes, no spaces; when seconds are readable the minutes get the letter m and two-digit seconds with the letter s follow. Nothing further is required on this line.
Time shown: 1h46
